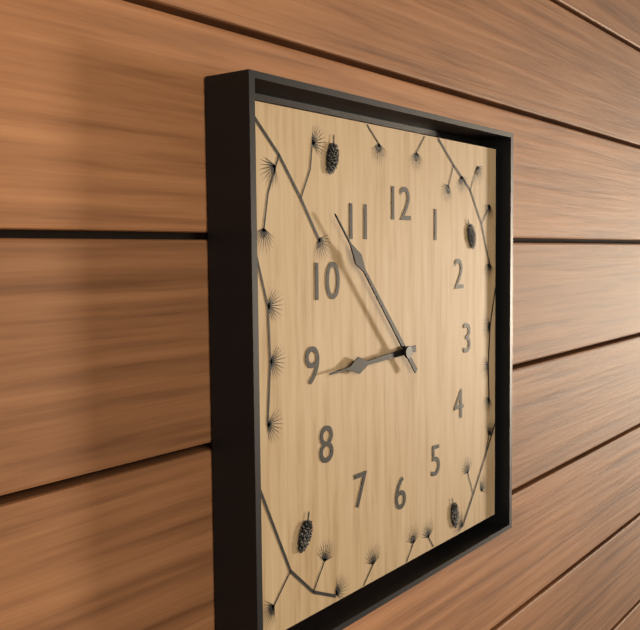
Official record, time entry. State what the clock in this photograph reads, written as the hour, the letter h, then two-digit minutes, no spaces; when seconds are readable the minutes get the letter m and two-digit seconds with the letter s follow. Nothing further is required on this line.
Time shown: 8h53
